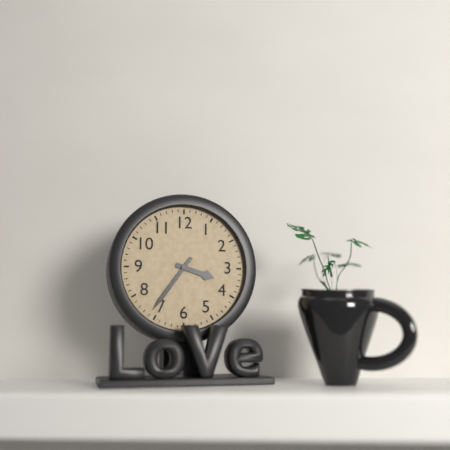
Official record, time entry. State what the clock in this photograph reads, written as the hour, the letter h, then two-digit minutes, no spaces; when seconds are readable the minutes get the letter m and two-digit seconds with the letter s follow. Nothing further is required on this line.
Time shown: 3h36
